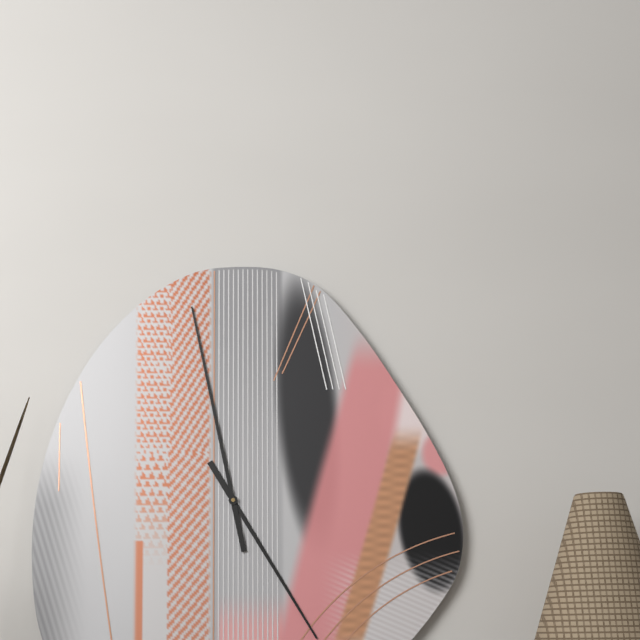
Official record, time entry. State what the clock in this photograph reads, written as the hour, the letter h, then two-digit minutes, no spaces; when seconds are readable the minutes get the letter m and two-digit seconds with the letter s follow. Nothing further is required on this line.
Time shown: 4h58
